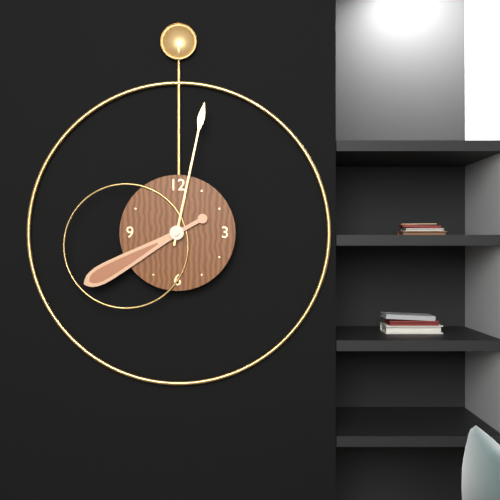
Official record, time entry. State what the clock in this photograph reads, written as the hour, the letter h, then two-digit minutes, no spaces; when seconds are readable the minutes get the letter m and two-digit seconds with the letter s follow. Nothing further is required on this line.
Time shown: 8h02
